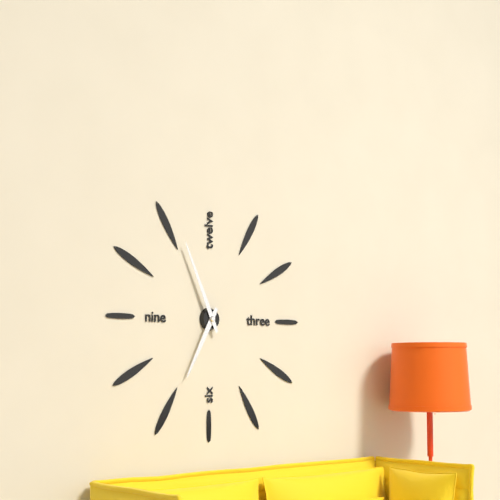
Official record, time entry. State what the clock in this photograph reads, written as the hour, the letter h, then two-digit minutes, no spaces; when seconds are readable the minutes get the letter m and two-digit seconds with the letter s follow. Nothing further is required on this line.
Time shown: 6h56
